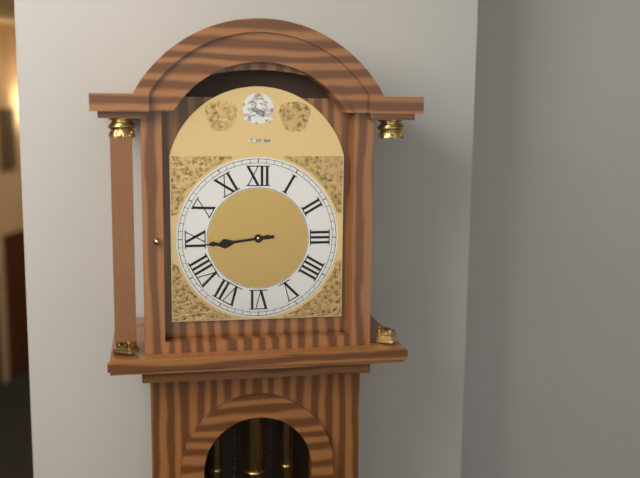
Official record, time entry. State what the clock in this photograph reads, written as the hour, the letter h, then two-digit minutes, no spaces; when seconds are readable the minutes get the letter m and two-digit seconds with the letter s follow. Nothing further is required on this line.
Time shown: 8h44
